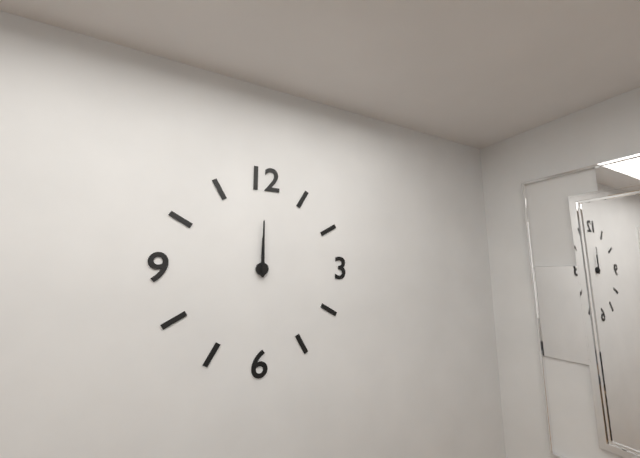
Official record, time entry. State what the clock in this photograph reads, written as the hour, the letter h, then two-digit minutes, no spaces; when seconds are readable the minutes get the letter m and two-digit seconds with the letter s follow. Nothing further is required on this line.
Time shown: 12h00
